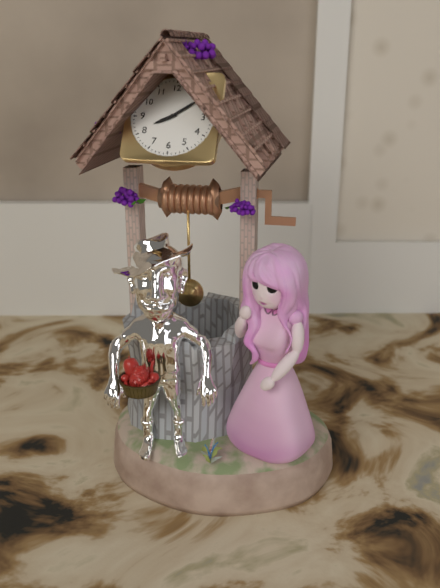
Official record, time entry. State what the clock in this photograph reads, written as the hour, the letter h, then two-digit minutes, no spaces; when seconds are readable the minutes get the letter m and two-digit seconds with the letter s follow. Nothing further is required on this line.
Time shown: 8h09
